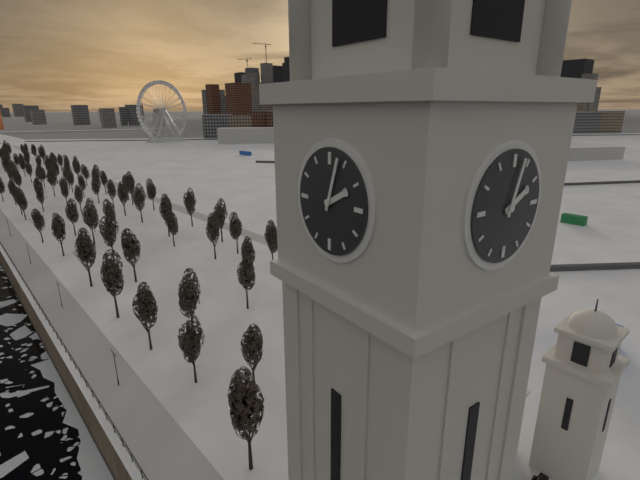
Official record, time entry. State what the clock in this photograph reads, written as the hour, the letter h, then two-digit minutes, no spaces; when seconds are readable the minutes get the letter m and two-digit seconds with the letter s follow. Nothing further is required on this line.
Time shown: 2h03
